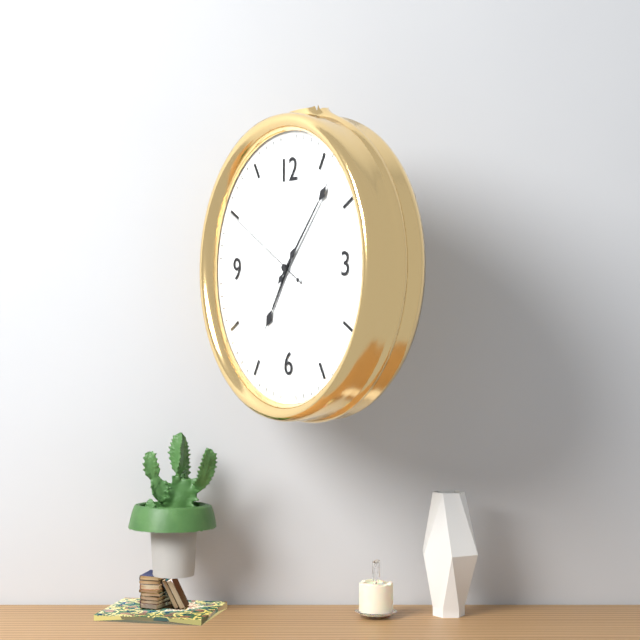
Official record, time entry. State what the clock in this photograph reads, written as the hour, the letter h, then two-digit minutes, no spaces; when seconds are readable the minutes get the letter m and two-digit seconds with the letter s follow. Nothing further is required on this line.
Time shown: 7h07m50s
